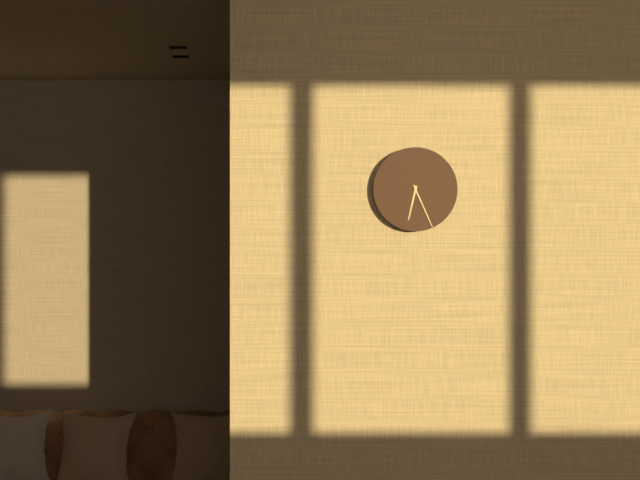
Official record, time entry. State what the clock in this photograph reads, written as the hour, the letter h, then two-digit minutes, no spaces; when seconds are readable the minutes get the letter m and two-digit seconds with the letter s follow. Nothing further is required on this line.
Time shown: 6h26
